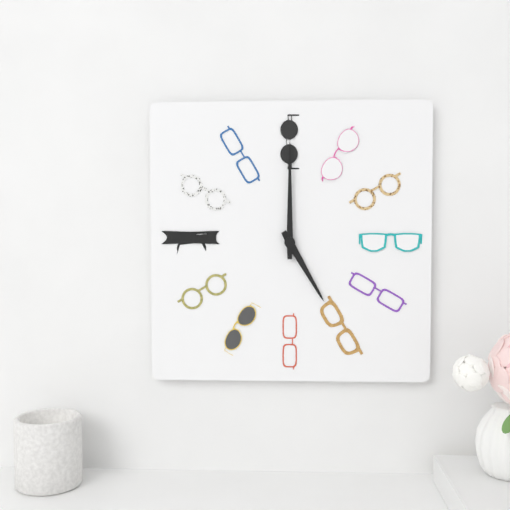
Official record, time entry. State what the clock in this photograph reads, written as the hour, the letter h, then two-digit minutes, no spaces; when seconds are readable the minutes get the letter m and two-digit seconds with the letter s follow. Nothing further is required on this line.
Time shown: 5h00
